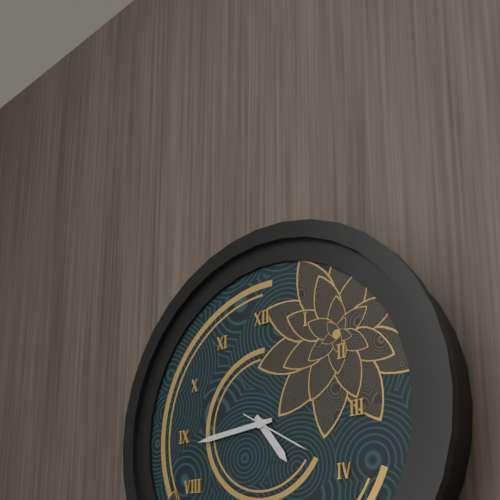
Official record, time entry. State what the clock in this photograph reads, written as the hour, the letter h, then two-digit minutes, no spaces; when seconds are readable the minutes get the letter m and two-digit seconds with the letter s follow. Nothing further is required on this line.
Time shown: 4h44m20s
